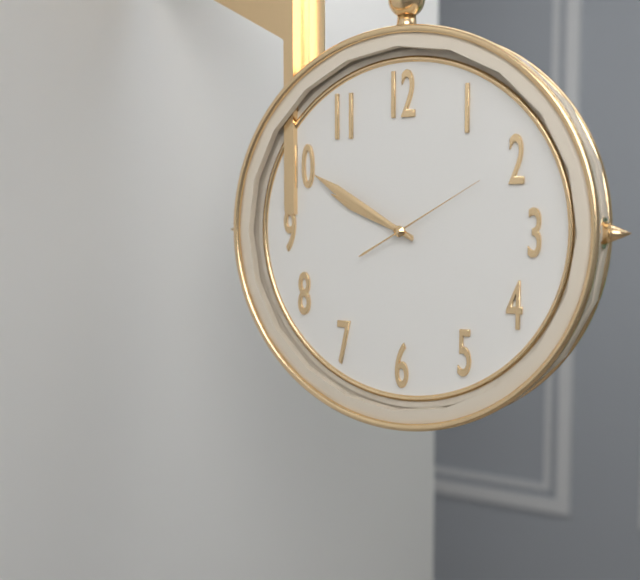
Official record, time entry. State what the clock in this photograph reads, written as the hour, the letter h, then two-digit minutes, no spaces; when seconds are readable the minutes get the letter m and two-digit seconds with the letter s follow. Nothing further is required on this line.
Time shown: 9h50m10s
